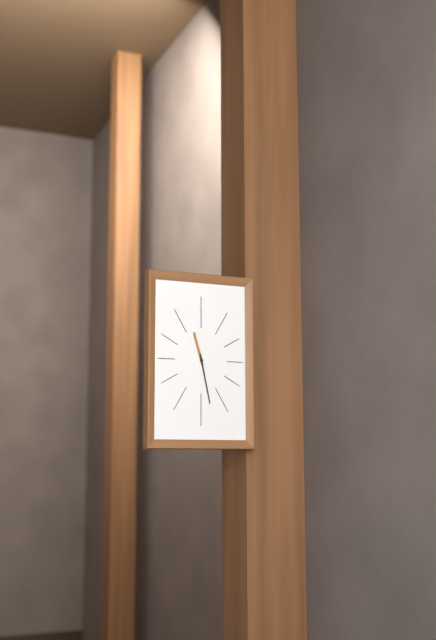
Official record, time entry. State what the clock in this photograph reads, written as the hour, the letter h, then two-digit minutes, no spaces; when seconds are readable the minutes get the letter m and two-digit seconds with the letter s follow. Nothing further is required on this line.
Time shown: 11h28
